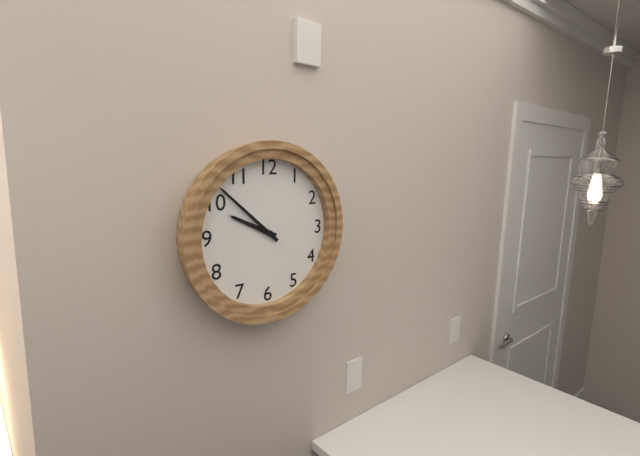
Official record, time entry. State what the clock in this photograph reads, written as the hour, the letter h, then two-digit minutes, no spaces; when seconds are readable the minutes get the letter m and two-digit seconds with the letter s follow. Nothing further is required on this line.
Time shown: 9h52
